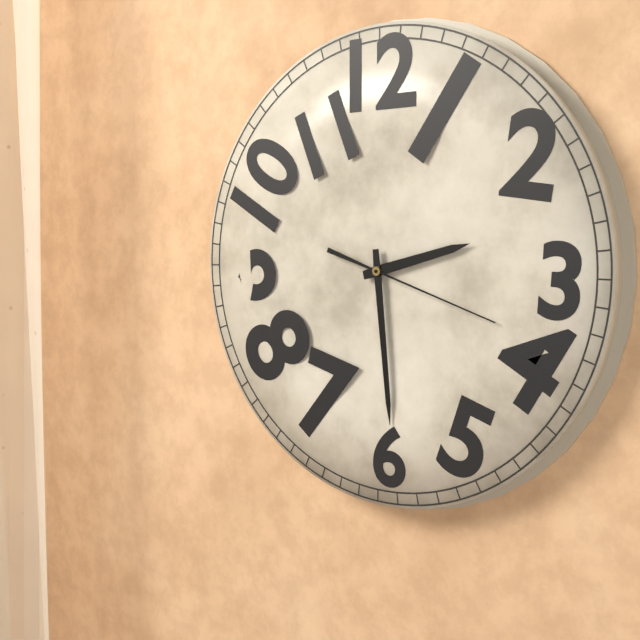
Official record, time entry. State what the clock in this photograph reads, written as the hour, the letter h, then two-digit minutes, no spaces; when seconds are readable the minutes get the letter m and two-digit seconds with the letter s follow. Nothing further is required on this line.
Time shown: 2h29m18s
